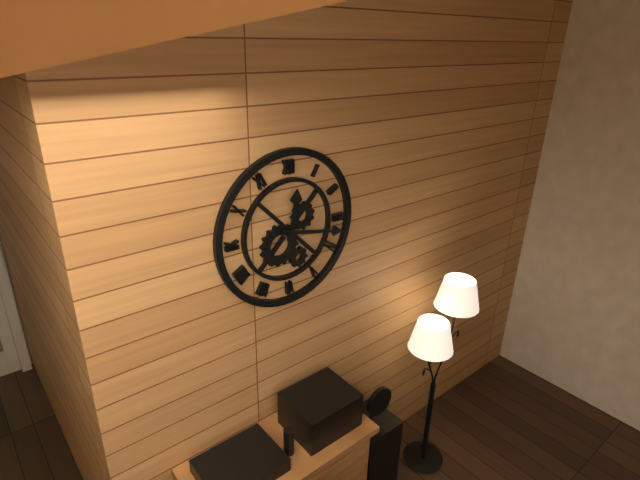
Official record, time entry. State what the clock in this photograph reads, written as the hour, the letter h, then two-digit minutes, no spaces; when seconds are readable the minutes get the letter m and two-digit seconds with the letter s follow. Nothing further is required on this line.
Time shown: 12h17
